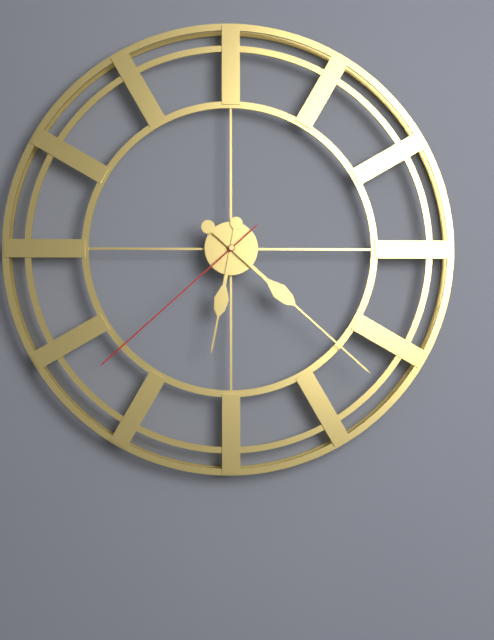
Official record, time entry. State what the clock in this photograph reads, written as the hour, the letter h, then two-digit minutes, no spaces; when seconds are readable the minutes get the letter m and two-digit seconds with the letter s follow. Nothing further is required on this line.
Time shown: 6h22m38s
